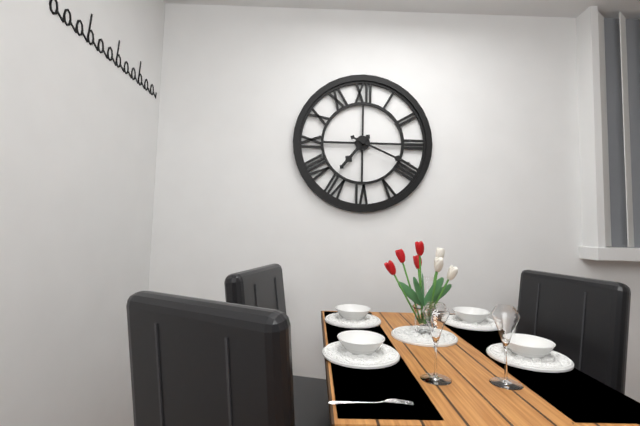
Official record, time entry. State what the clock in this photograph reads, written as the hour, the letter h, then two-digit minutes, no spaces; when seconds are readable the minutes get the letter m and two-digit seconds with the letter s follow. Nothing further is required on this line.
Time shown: 7h19
